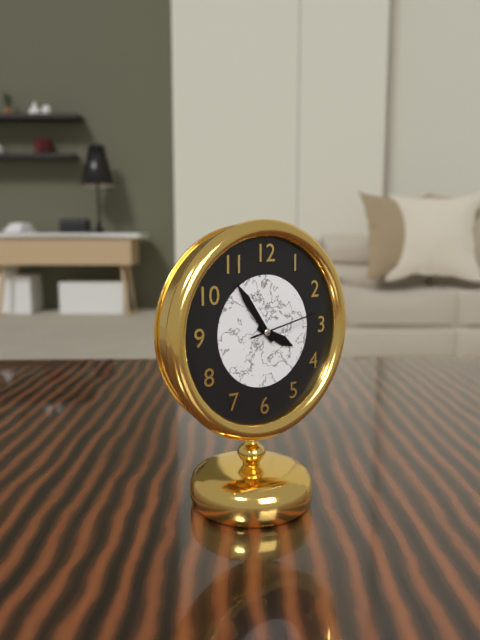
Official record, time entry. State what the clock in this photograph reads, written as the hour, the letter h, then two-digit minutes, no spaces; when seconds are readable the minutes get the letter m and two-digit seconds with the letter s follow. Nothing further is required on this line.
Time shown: 3h54m13s
